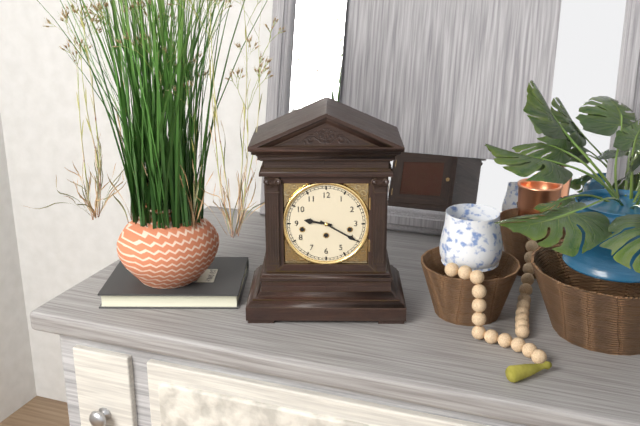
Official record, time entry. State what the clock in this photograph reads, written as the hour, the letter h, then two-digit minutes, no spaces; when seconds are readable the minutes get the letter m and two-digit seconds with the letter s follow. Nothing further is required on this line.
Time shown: 9h20
